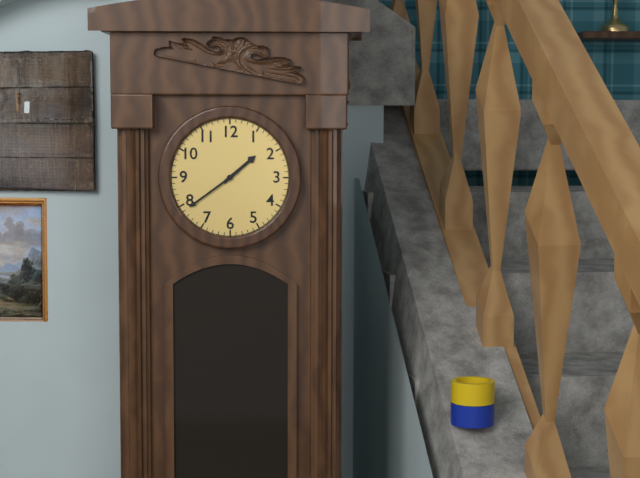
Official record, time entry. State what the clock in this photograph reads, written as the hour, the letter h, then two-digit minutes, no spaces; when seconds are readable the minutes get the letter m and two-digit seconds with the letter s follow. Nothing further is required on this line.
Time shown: 1h39
